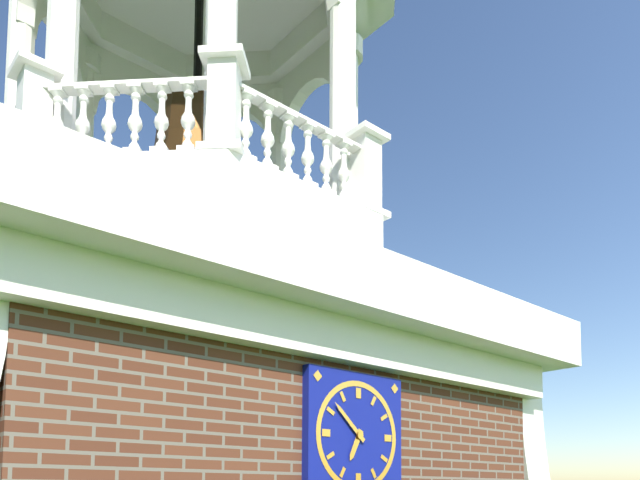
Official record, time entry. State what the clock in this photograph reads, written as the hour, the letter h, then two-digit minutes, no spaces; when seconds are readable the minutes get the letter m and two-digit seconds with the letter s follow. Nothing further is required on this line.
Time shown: 6h52
